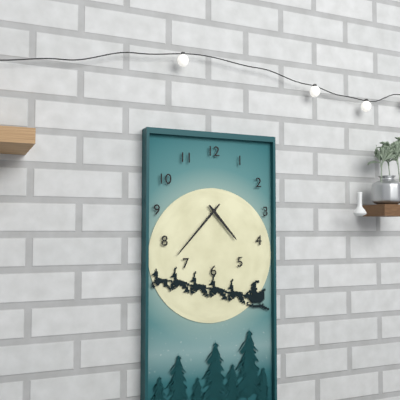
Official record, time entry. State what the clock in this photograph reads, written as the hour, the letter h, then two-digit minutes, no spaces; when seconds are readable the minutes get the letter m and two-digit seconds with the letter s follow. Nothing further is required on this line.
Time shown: 4h37
